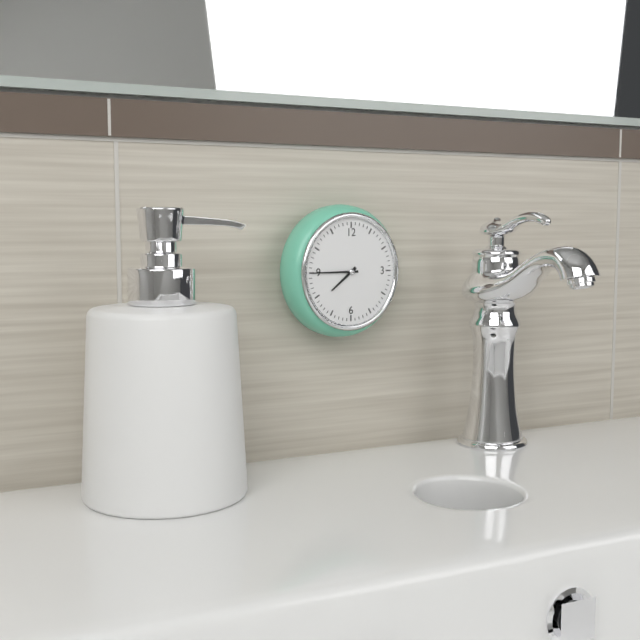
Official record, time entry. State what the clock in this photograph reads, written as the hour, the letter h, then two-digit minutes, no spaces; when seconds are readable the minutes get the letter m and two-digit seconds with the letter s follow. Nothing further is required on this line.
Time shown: 7h45
